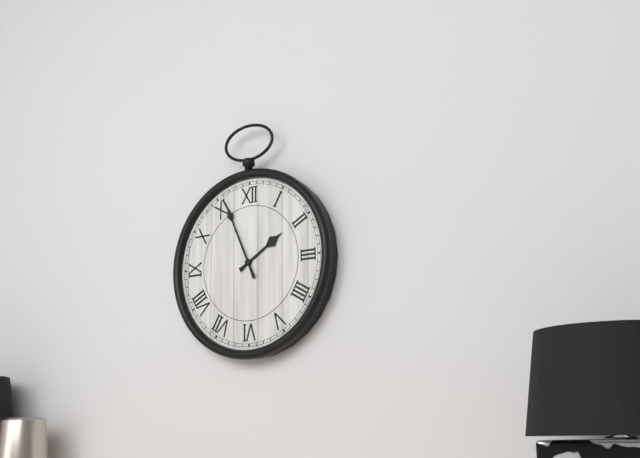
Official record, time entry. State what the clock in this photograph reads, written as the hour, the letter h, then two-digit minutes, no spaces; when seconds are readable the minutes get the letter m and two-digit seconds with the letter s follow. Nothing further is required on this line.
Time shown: 1h56
